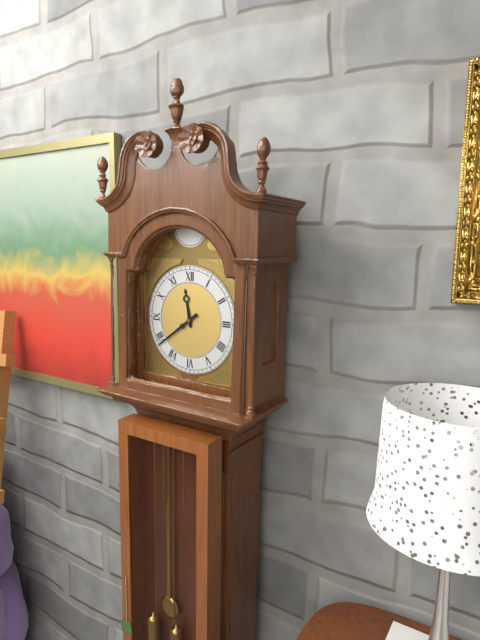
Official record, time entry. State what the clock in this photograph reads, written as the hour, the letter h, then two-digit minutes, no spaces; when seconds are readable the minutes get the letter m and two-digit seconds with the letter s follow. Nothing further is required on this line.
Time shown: 11h39
